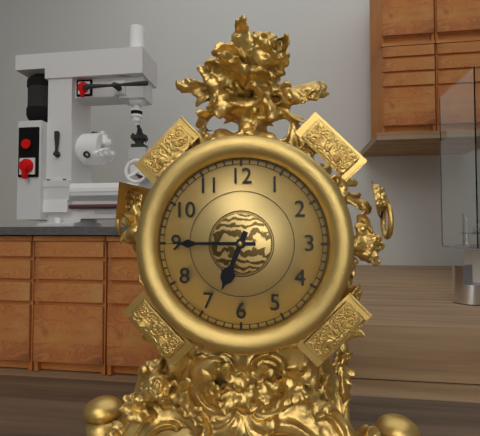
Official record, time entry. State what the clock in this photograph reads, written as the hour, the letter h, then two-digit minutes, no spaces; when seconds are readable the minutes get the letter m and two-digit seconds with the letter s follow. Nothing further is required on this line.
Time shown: 6h45
